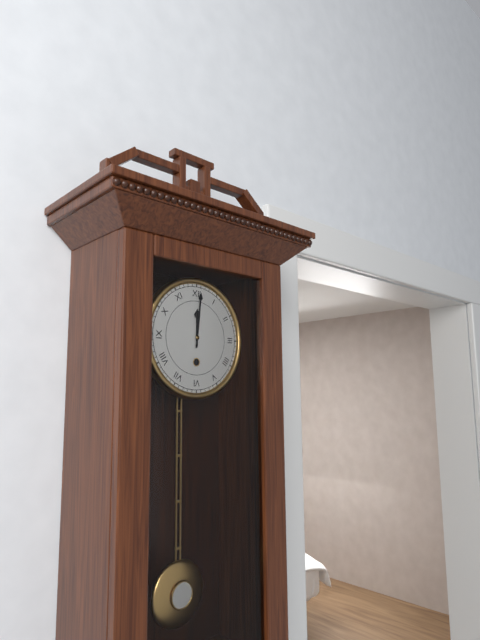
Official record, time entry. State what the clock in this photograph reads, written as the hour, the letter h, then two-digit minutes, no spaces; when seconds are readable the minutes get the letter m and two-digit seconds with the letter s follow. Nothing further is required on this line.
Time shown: 12h01
